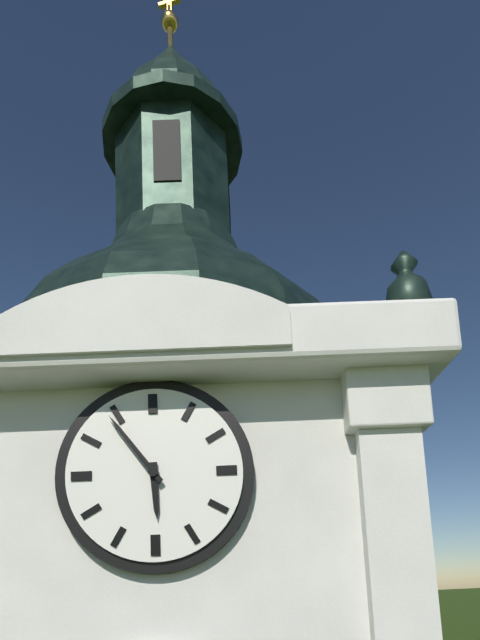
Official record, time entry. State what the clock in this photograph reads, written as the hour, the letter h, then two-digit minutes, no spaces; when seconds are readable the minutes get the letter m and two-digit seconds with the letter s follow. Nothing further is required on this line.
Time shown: 5h54
